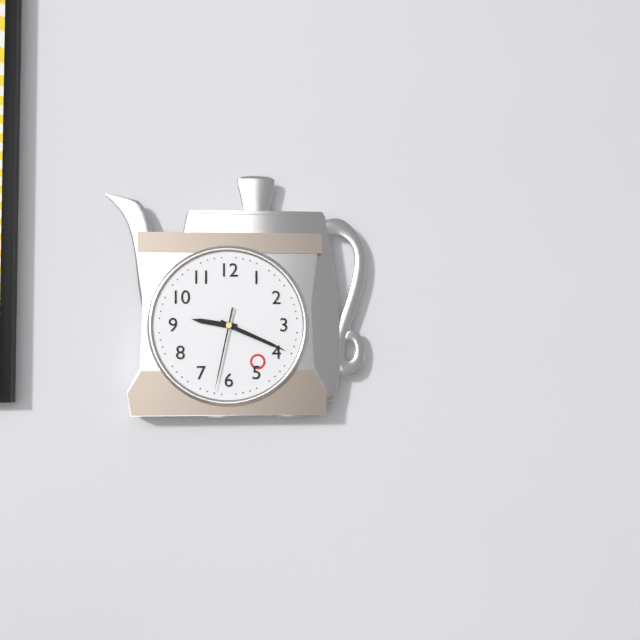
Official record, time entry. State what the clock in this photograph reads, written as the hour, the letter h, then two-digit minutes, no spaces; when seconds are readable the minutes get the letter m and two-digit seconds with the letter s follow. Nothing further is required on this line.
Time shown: 9h19m32s
